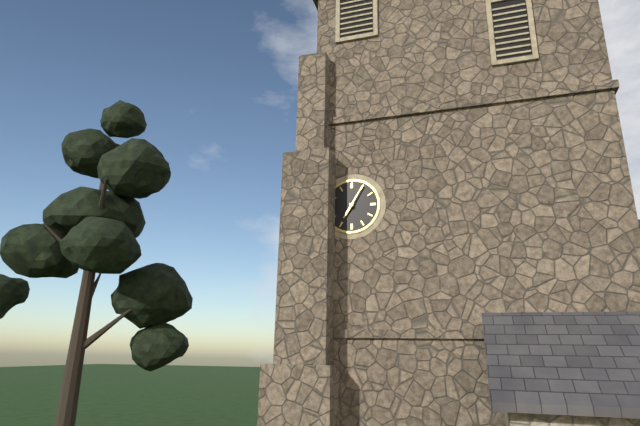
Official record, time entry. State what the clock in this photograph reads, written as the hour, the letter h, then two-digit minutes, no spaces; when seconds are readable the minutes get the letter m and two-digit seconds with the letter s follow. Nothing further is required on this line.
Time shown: 7h05
